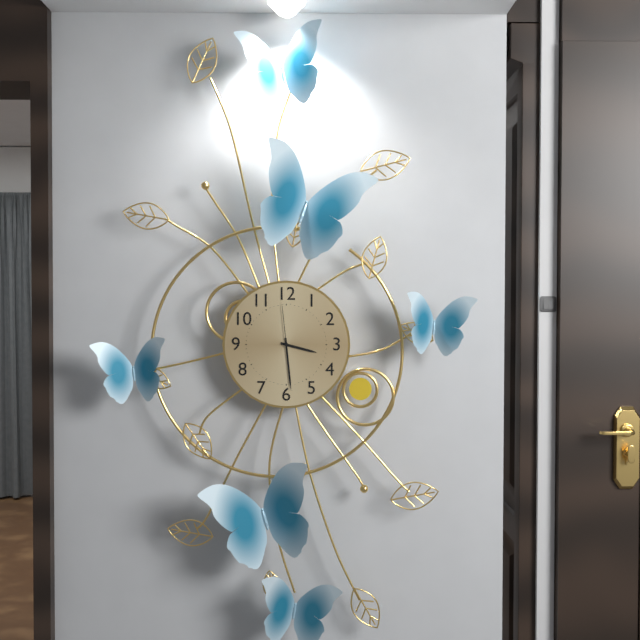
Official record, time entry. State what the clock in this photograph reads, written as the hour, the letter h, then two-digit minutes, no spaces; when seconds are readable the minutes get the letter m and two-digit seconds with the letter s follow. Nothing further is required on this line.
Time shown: 3h29m59s
